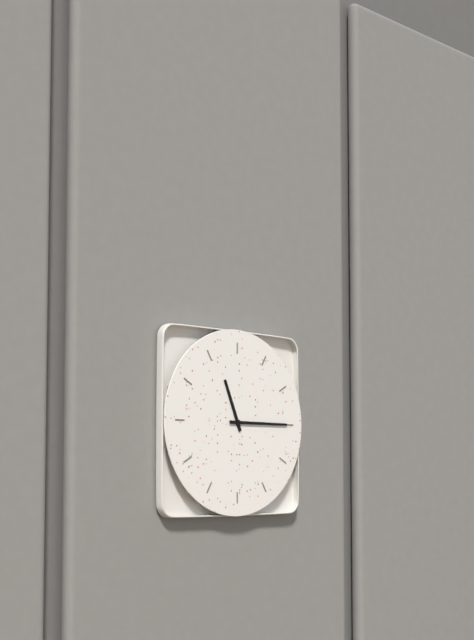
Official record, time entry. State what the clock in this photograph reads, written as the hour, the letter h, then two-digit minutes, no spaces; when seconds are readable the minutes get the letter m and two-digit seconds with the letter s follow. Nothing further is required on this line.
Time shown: 11h15
